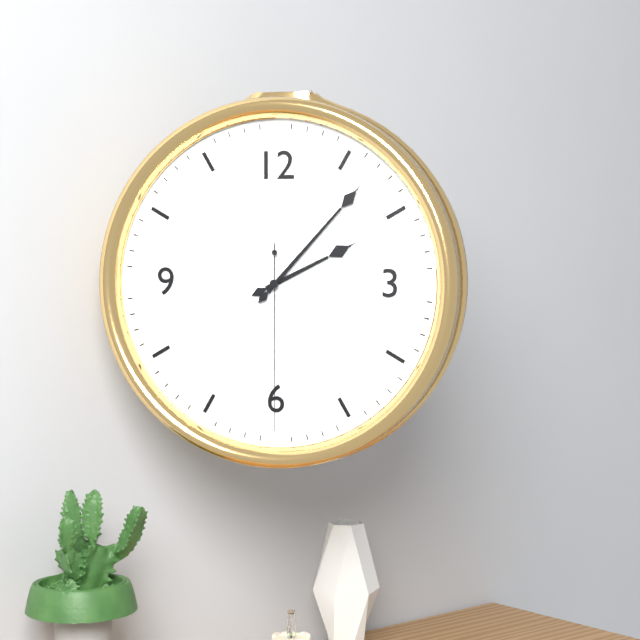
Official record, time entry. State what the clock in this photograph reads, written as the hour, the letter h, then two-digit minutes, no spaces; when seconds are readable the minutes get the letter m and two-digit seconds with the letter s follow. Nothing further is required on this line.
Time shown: 2h07m30s
